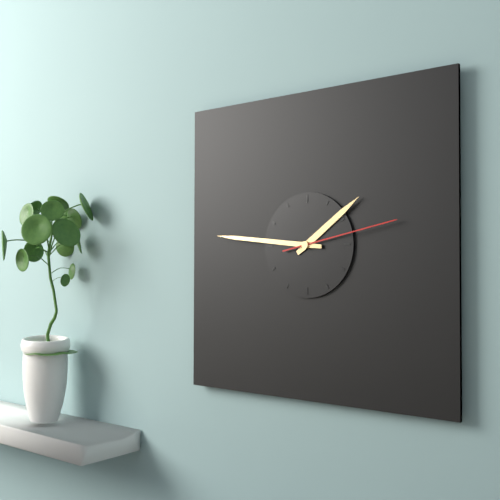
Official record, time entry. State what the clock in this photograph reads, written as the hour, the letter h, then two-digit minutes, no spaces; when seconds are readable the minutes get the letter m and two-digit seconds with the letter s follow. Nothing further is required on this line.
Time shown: 1h46m13s
